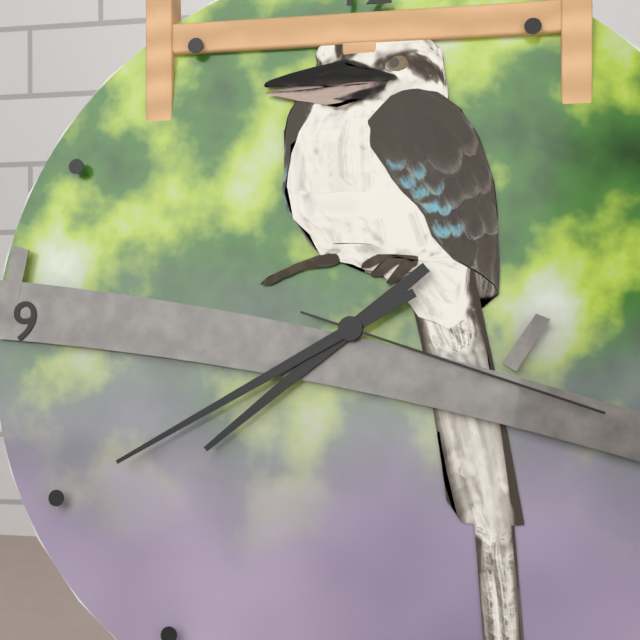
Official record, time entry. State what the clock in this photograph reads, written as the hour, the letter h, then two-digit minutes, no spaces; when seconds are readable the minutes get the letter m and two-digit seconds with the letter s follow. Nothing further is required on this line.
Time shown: 7h40m18s
